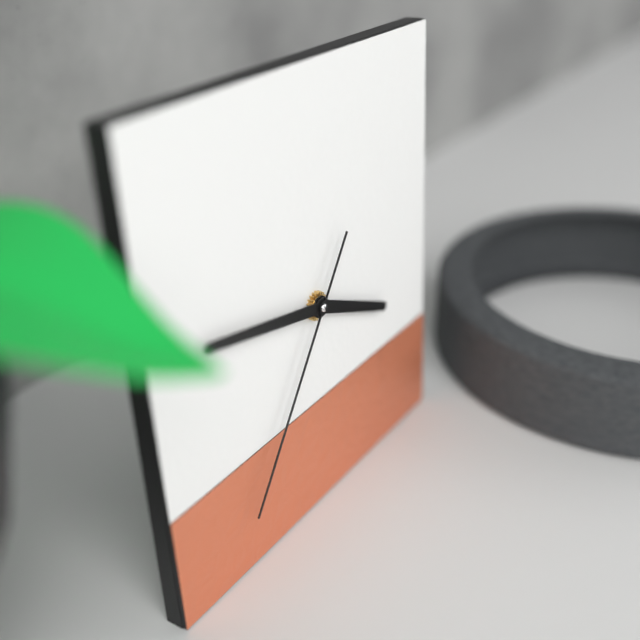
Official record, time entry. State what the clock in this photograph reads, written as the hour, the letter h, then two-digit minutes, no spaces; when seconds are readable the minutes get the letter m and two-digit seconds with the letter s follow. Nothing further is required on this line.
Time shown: 3h47m36s
